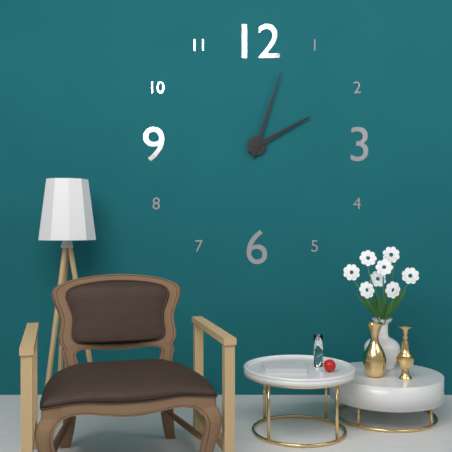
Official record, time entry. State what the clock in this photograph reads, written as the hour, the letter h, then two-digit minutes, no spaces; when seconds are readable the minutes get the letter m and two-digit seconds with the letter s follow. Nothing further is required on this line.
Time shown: 2h03
